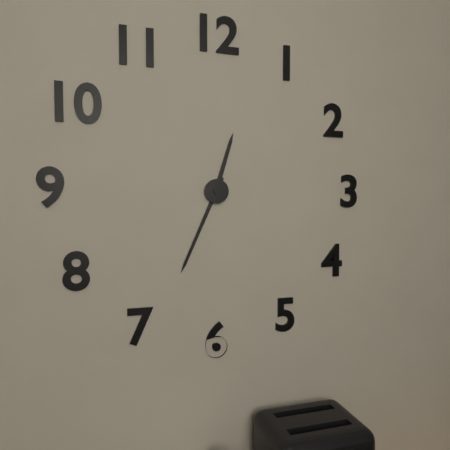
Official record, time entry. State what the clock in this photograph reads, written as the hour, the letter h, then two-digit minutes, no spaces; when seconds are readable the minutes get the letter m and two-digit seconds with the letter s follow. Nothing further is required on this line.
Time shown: 12h34
